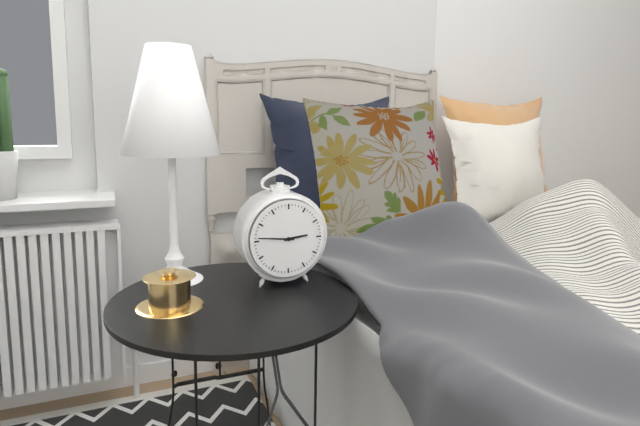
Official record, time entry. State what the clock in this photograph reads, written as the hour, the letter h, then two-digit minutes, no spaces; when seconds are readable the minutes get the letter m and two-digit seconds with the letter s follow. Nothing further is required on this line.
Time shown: 2h46
